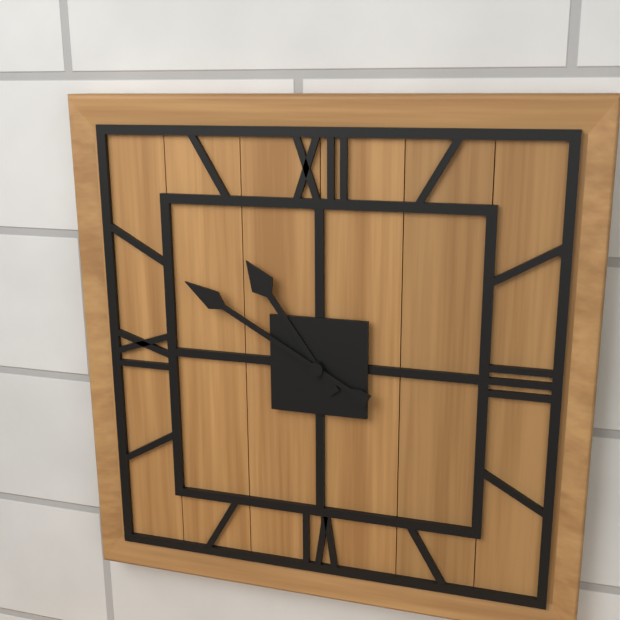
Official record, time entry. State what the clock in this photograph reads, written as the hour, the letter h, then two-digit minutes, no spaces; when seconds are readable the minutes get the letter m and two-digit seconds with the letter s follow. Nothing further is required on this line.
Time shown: 10h50
